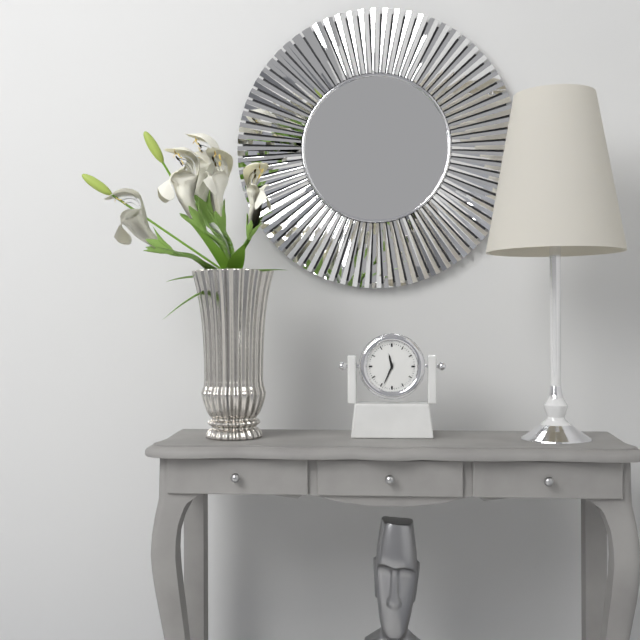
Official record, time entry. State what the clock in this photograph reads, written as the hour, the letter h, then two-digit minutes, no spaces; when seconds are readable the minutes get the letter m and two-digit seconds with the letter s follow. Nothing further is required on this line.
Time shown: 11h34
